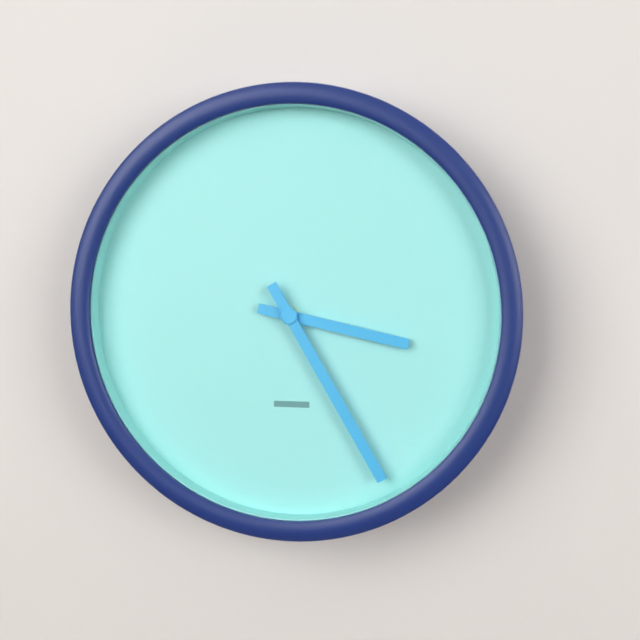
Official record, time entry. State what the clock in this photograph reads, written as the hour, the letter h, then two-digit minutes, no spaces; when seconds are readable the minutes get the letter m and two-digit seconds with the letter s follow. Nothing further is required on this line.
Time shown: 3h25
